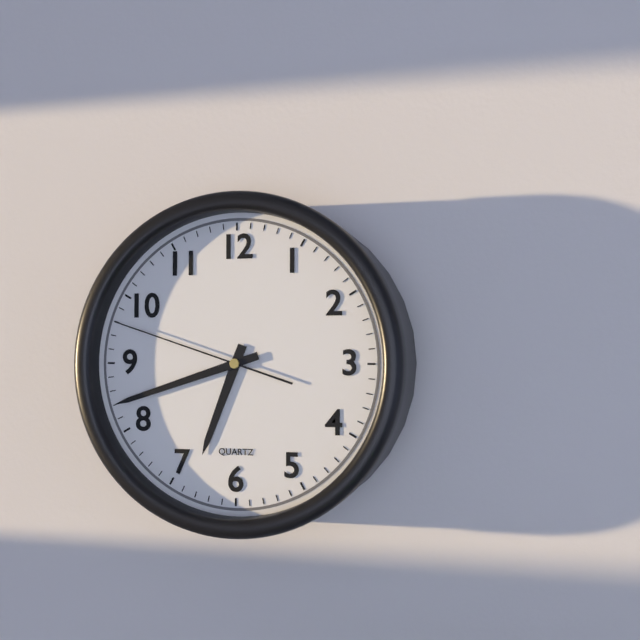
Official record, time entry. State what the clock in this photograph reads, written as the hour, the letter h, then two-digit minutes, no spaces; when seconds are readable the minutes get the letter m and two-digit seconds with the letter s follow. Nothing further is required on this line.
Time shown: 6h42m48s
